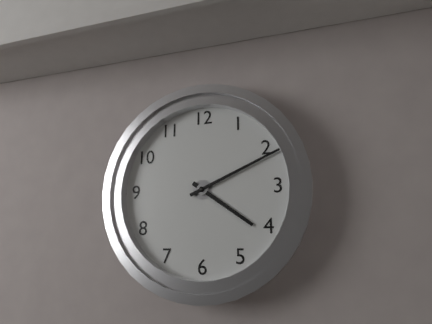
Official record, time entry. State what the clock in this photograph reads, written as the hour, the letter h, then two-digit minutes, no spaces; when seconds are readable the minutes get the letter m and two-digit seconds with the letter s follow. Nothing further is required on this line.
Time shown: 4h11
